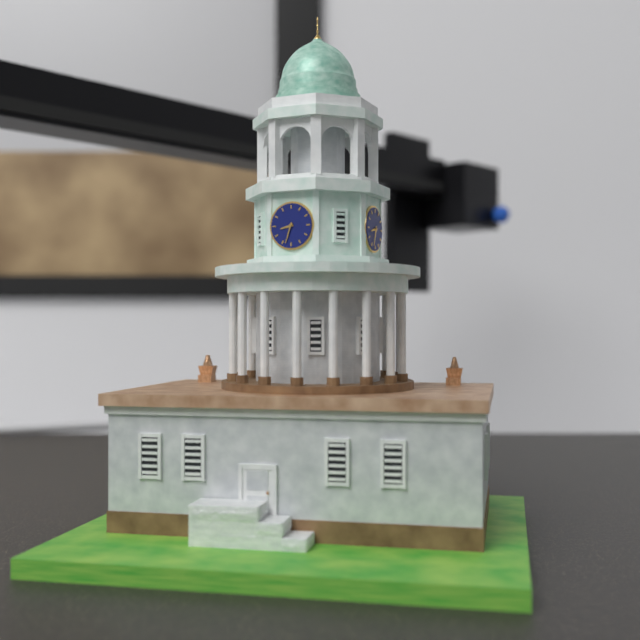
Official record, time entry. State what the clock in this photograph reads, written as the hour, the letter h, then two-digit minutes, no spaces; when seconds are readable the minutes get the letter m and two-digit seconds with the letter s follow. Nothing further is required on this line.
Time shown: 8h33
